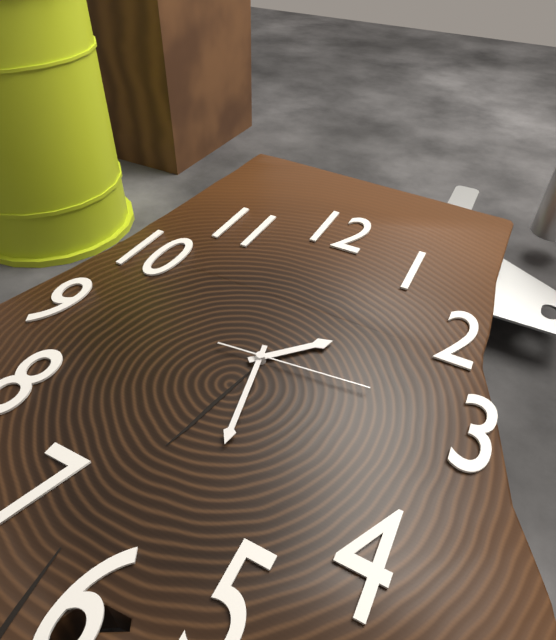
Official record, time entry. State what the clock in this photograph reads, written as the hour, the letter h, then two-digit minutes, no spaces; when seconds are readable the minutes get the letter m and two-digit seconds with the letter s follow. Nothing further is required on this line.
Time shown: 1h28m14s
